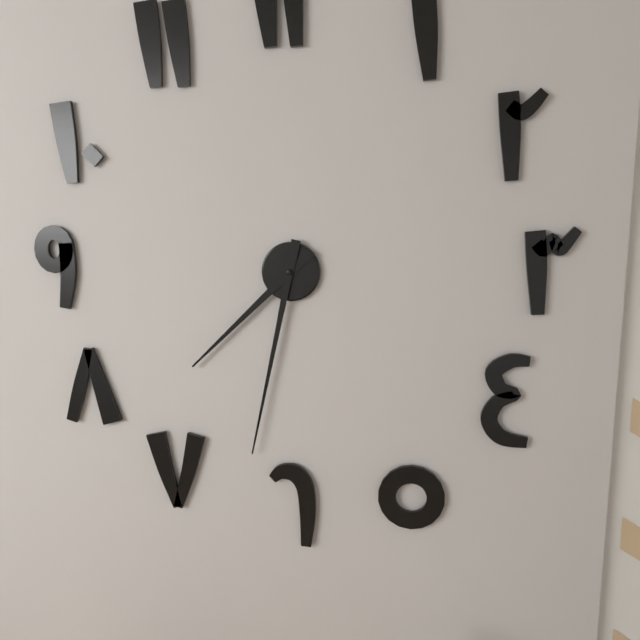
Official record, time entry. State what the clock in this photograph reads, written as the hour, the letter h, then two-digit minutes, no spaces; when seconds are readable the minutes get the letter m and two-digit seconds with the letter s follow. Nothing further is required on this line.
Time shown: 7h32
